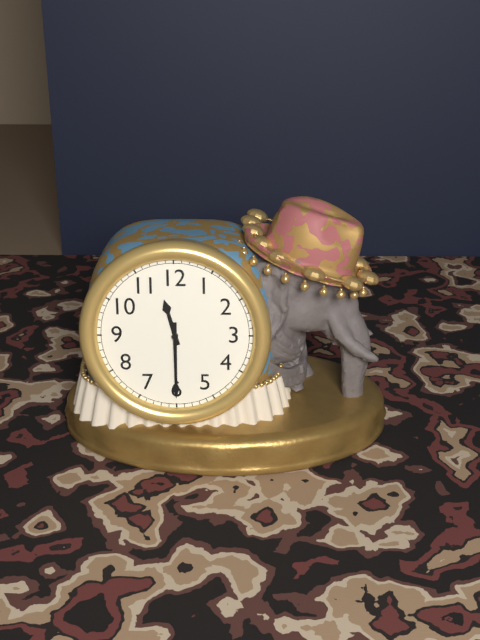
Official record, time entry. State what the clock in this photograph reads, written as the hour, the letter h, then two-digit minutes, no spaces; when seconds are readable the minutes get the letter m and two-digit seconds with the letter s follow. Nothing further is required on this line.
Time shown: 11h30
